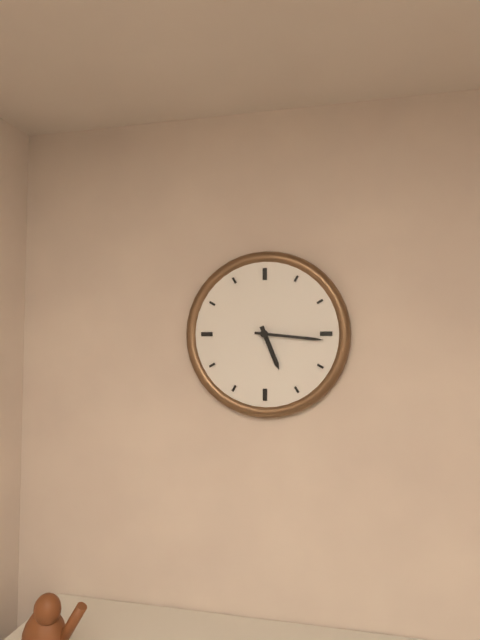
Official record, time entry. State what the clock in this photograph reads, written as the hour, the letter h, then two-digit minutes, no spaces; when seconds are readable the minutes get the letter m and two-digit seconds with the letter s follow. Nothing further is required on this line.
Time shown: 5h16
